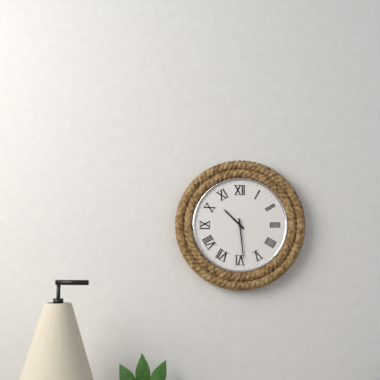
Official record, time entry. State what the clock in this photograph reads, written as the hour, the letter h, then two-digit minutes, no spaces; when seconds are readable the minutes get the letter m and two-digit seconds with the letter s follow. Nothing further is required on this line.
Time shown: 10h29
